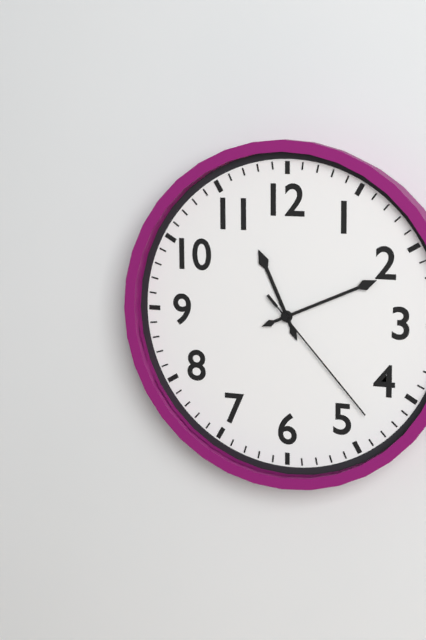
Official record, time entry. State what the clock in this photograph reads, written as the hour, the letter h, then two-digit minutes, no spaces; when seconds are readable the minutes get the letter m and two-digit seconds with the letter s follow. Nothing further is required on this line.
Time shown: 11h11m23s
